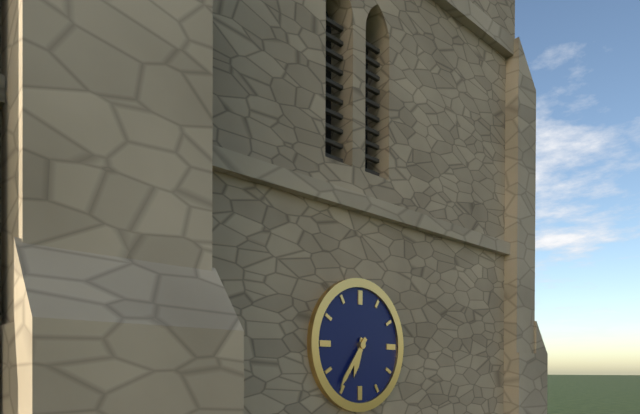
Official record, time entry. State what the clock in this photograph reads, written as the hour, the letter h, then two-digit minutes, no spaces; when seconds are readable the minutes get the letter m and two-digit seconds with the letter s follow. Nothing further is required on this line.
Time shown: 6h36
